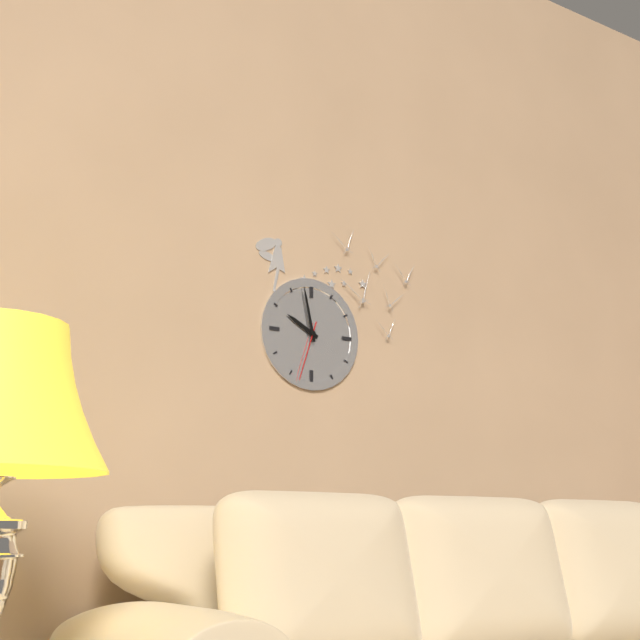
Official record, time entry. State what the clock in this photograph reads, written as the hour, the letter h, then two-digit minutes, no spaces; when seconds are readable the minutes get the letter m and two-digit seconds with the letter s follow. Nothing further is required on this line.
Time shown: 9h58m33s
